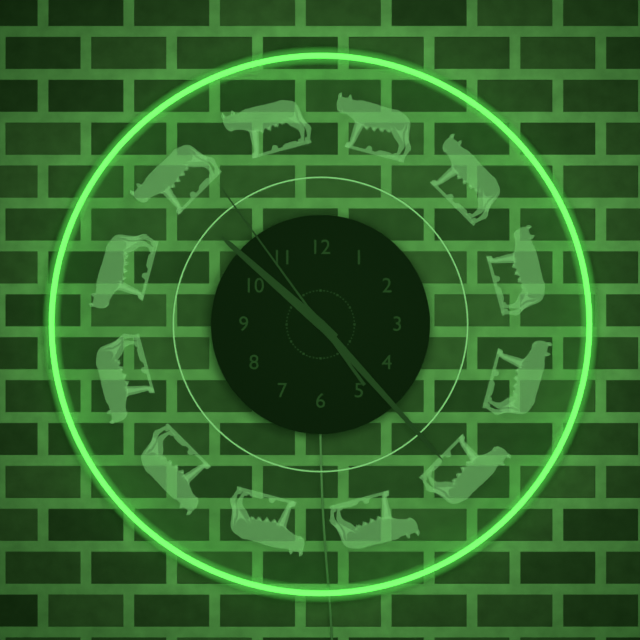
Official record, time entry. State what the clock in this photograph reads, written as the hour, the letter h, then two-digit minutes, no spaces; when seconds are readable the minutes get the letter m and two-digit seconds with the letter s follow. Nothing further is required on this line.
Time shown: 10h23m54s
